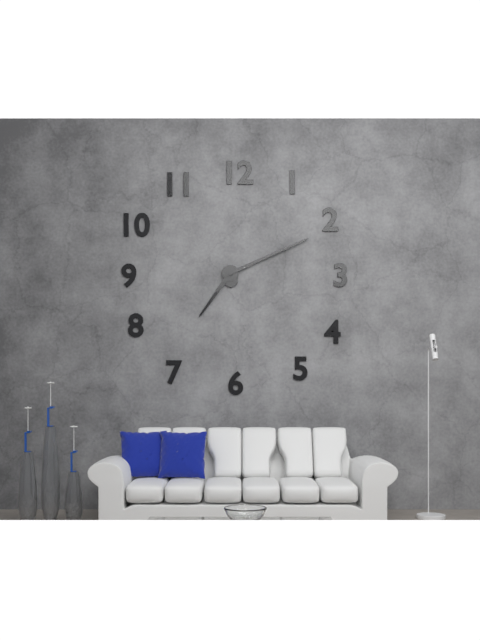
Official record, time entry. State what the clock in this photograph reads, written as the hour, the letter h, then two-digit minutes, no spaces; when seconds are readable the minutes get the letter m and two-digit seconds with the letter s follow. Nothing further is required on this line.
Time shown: 7h11
